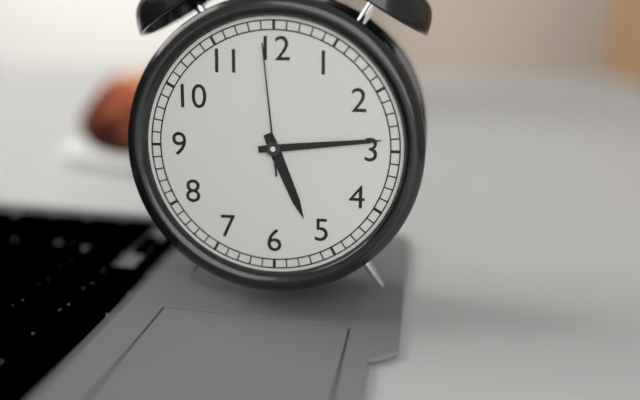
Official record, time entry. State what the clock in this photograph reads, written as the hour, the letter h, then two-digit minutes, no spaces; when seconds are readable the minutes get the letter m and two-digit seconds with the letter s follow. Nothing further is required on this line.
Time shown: 5h14m59s
